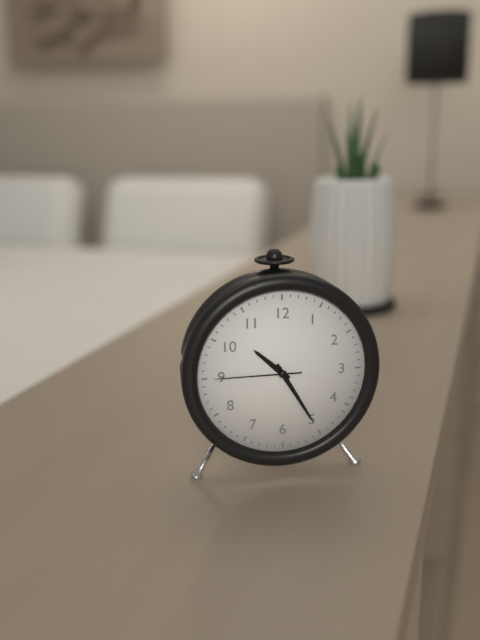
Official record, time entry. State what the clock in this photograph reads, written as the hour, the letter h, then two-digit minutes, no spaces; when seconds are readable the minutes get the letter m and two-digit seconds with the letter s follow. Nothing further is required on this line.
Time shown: 10h25m45s
